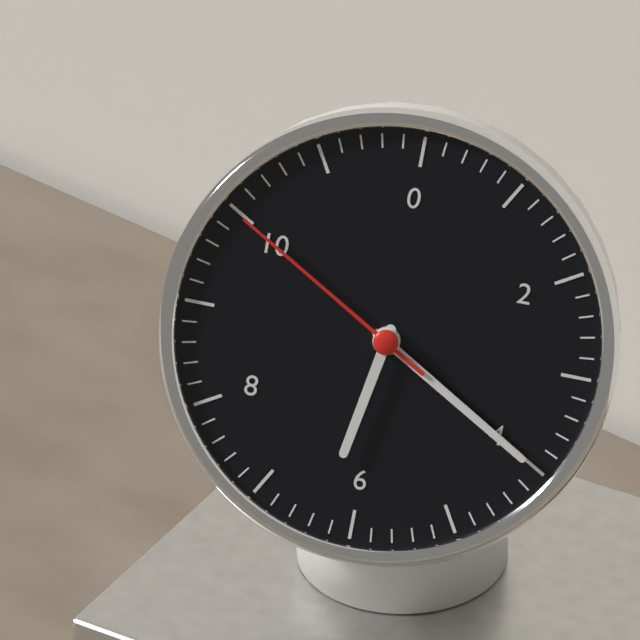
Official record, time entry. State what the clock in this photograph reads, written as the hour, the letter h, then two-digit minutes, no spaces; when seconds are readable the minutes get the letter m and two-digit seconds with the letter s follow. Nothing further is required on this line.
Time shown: 6h20m50s
